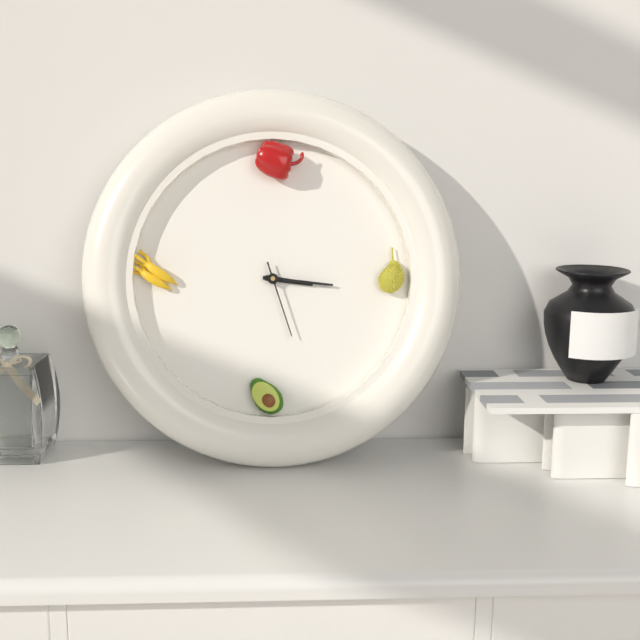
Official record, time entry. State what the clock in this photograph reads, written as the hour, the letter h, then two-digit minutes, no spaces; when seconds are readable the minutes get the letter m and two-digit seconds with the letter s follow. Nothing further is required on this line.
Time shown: 3h16m27s
